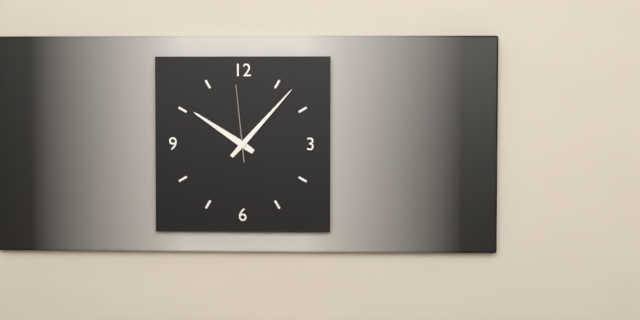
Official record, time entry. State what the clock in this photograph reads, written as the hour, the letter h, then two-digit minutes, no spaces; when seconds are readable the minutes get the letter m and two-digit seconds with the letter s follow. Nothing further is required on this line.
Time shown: 10h07m59s
